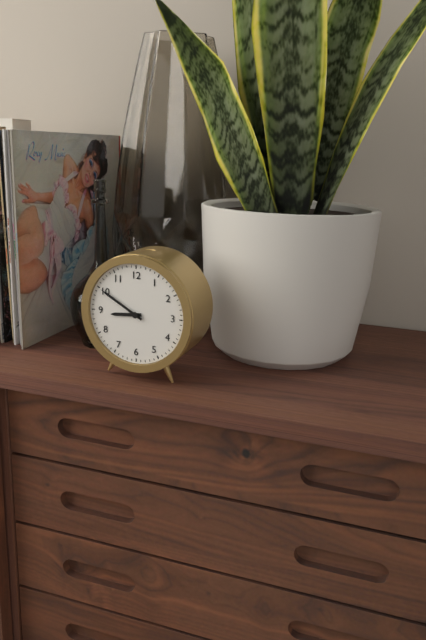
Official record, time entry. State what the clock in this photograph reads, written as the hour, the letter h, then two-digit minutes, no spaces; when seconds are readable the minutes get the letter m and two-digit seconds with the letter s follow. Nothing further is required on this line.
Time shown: 8h50
